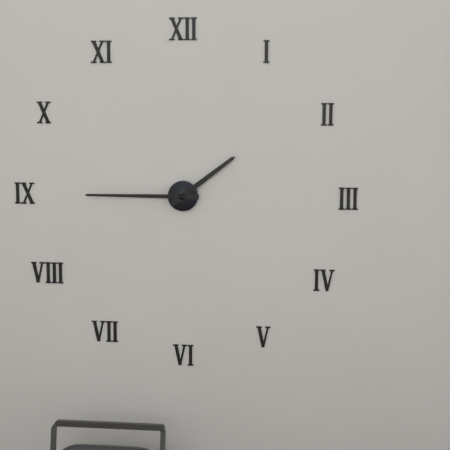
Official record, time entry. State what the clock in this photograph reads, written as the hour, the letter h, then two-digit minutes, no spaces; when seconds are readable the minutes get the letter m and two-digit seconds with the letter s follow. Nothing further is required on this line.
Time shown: 1h45
